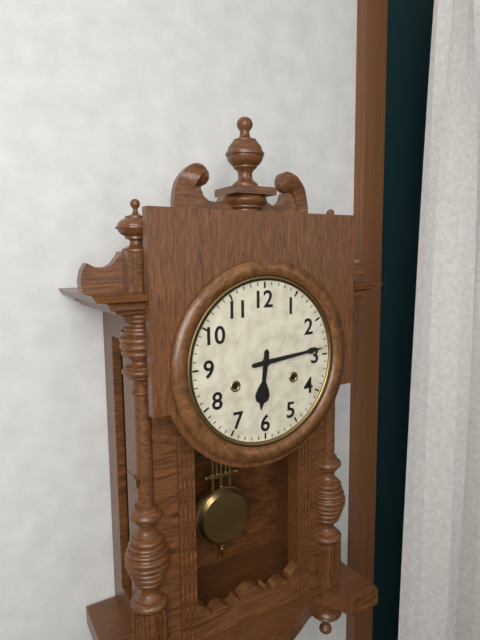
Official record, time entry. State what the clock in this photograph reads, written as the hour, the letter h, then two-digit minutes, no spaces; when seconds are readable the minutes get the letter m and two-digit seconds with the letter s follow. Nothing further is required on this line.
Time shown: 6h14
